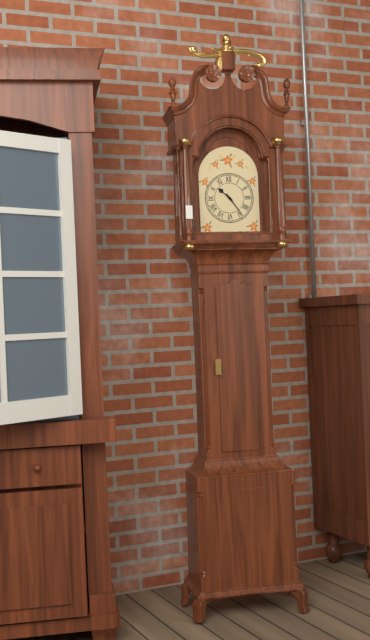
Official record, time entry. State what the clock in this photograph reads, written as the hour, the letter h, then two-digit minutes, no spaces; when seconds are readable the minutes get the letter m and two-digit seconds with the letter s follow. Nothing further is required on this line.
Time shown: 10h24
